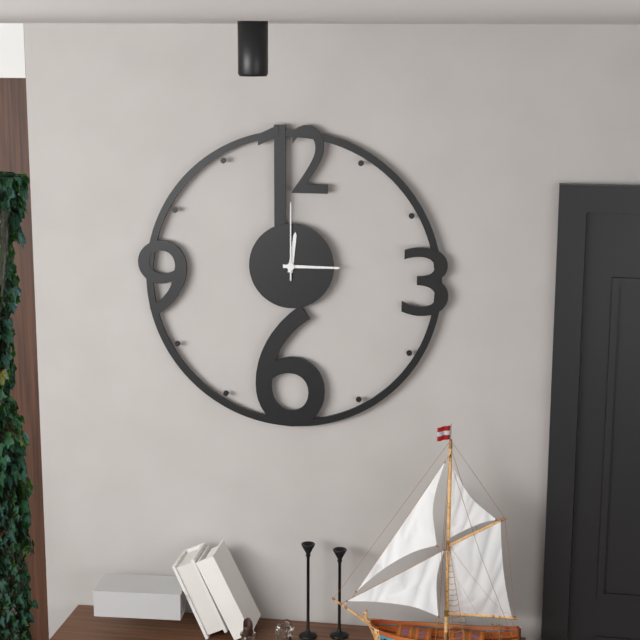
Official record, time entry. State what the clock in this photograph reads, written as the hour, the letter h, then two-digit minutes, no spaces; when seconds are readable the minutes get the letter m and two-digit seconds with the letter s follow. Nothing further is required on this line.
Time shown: 12h15m00s
